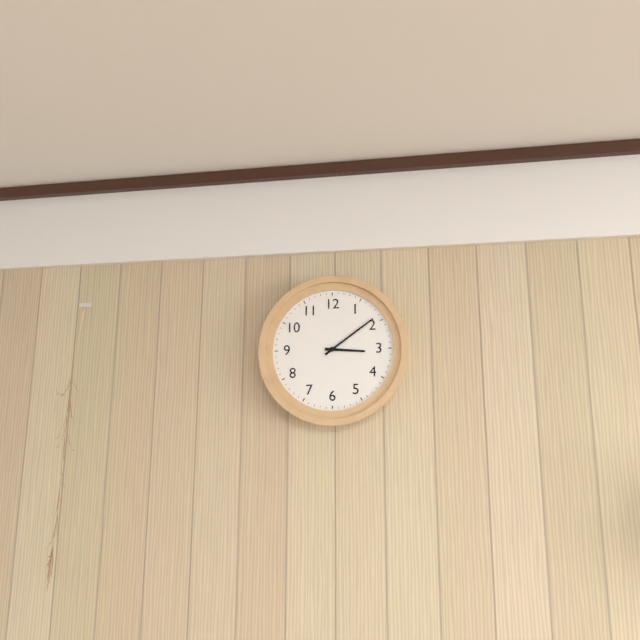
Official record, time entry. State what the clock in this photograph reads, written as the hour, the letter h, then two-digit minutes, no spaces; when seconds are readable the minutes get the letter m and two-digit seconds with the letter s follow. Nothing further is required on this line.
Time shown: 3h09
